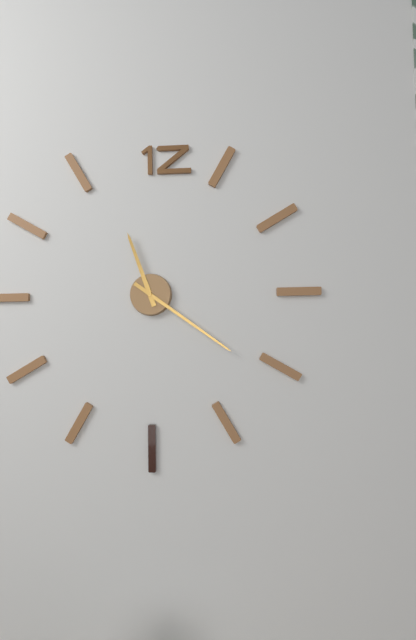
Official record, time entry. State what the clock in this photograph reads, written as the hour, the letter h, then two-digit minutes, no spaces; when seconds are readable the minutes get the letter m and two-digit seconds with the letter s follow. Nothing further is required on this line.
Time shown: 11h21
